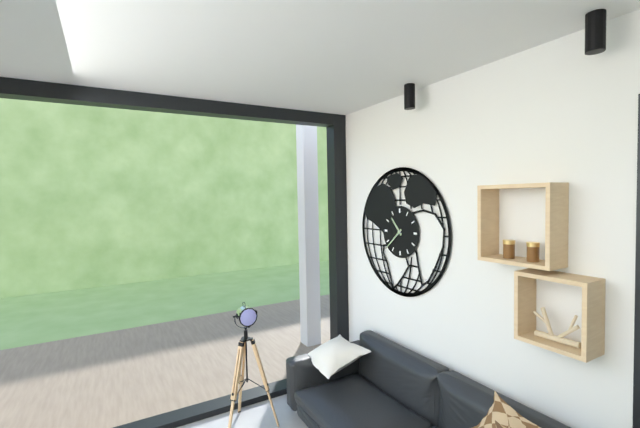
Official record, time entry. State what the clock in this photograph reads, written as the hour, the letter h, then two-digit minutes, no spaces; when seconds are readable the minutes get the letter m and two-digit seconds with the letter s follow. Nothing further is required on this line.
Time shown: 10h38
